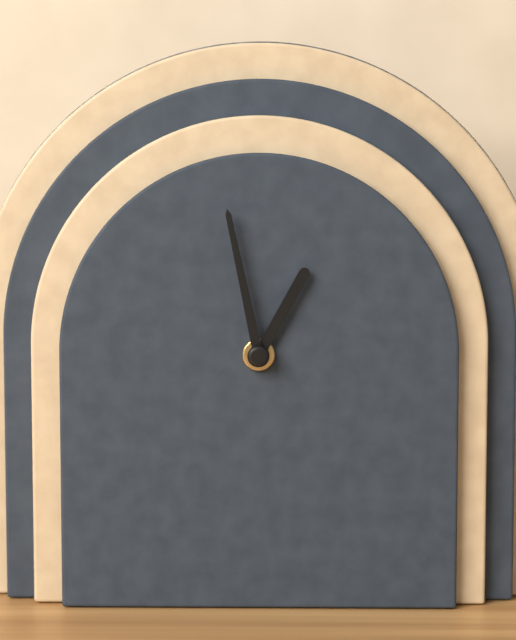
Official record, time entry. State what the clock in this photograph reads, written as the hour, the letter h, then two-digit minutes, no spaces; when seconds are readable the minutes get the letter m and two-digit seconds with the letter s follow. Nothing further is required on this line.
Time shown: 12h58
